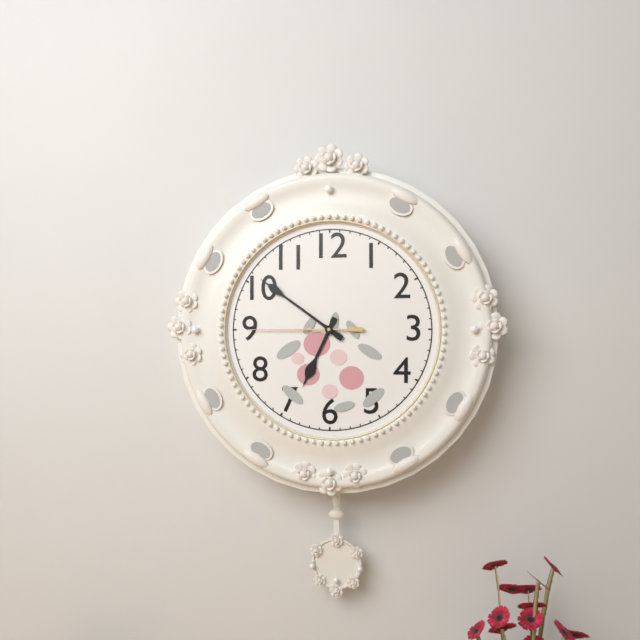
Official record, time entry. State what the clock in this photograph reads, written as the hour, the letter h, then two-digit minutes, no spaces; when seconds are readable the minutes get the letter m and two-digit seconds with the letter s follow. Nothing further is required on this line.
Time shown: 6h51m45s
